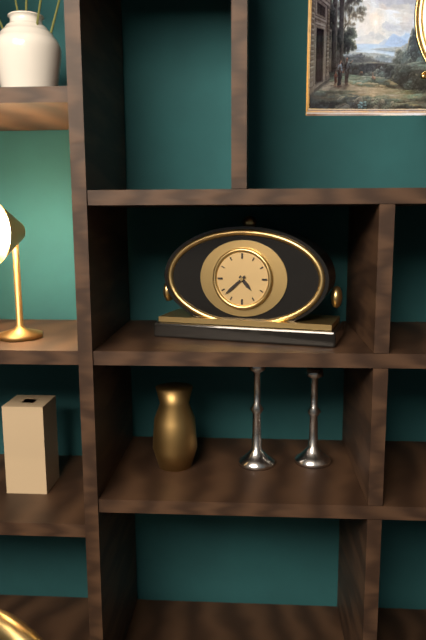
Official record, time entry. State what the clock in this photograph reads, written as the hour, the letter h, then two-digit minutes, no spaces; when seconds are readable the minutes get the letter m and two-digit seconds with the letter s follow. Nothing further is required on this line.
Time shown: 4h38
